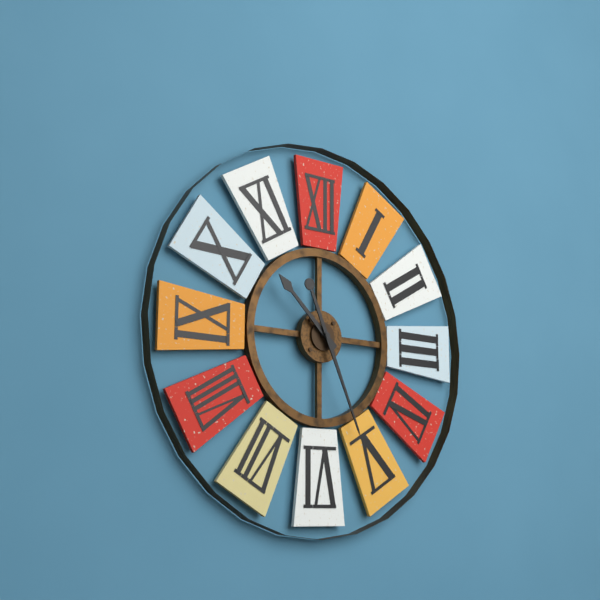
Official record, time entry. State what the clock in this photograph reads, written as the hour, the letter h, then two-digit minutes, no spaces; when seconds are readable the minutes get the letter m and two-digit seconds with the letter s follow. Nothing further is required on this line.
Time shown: 10h26
